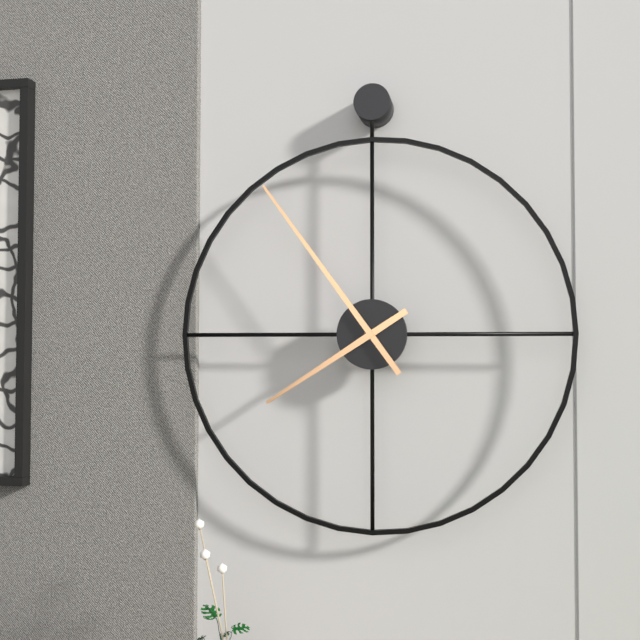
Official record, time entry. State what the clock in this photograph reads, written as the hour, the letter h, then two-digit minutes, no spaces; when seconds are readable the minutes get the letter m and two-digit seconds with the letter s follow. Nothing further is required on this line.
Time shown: 7h54
